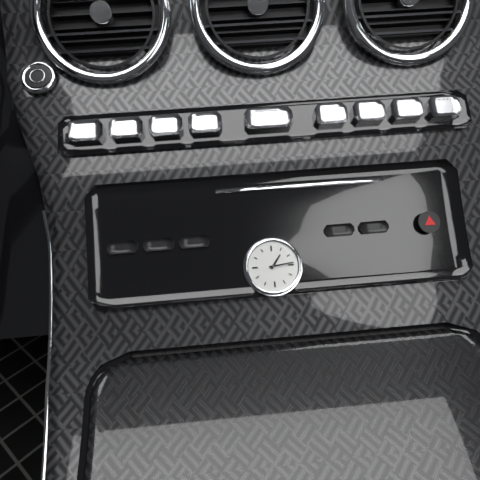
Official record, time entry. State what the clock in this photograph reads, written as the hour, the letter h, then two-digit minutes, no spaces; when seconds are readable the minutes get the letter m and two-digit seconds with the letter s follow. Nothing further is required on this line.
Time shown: 1h14
